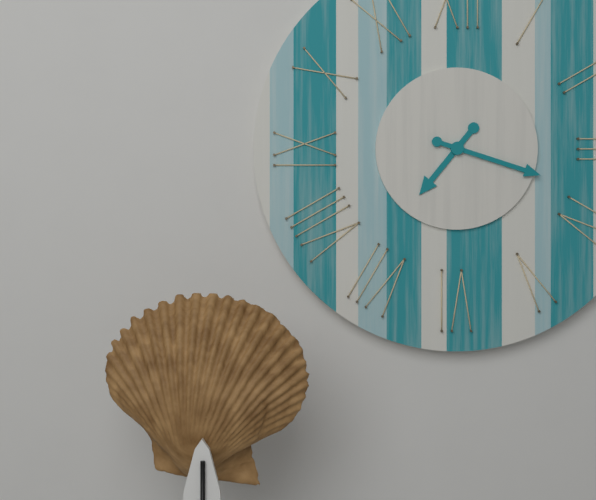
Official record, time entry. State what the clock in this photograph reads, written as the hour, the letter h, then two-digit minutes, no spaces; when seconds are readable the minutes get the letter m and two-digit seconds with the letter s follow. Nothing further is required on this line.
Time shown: 7h18
